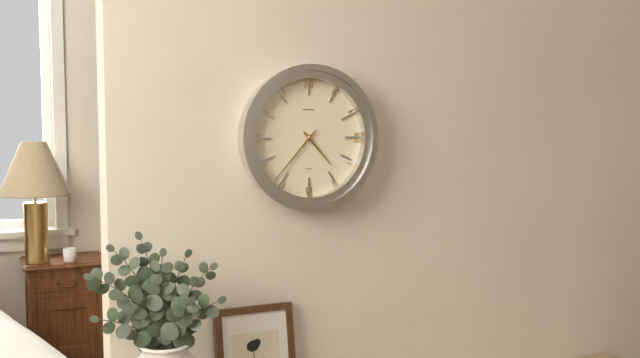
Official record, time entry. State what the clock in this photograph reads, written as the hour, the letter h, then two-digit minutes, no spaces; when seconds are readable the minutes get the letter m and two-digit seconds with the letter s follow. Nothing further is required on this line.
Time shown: 4h37
